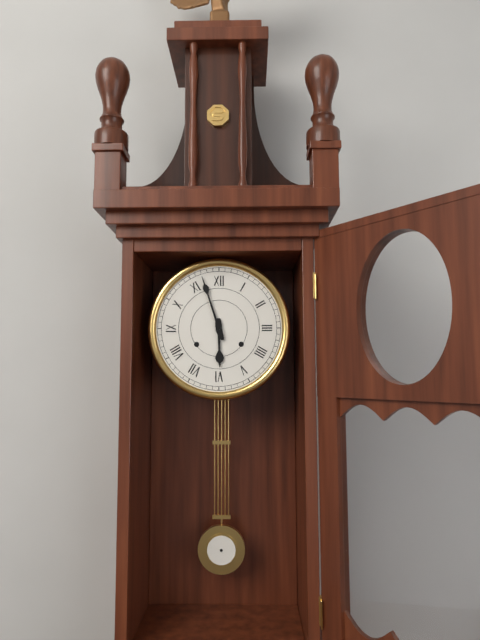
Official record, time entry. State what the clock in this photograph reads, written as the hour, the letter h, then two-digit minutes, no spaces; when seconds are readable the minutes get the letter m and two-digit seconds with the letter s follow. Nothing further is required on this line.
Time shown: 5h57
